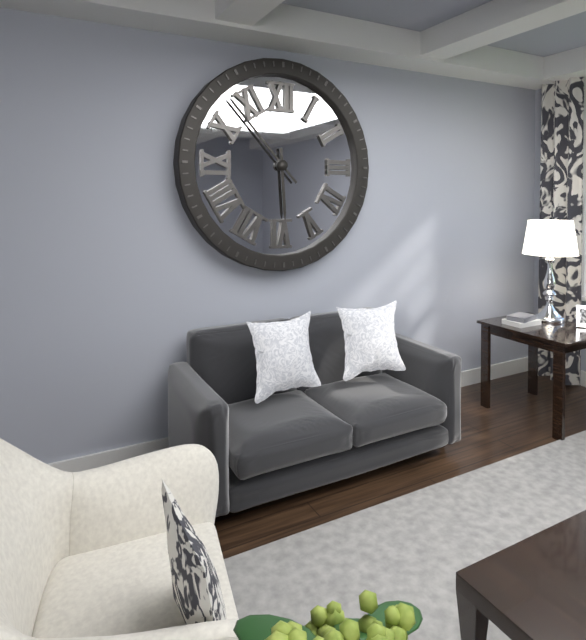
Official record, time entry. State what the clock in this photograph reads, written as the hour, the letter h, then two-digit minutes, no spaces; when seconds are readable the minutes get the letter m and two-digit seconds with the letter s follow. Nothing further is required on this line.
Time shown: 5h53
